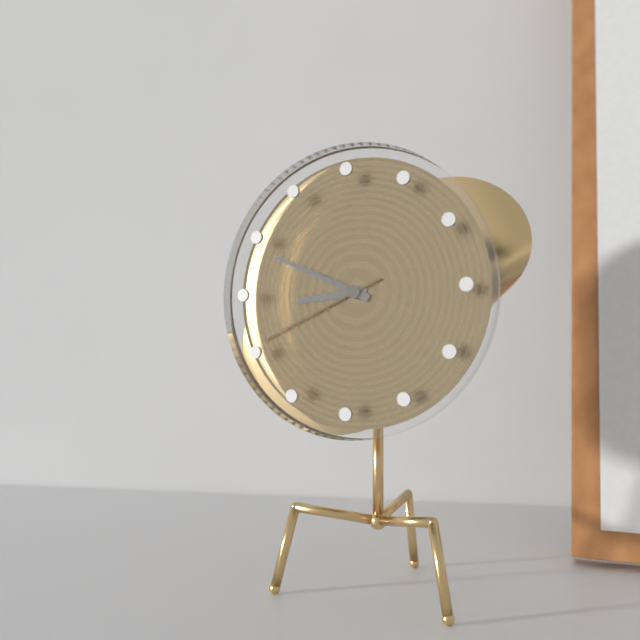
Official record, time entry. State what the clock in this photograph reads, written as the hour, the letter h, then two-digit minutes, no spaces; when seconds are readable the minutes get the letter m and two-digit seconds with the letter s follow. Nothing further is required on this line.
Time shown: 8h49m41s
